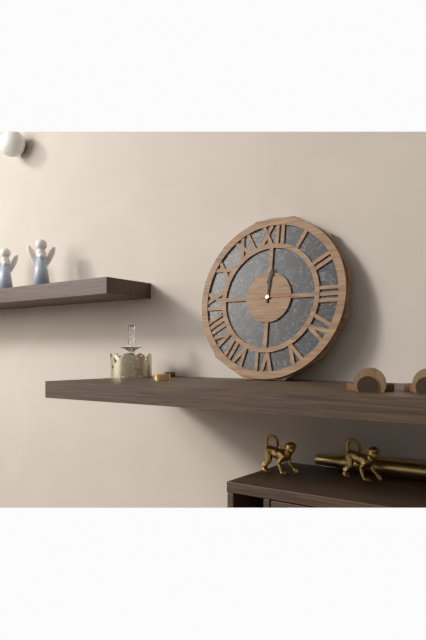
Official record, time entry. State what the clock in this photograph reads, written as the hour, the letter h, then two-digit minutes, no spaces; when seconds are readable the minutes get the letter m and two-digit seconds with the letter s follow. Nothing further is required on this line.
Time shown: 12h01
